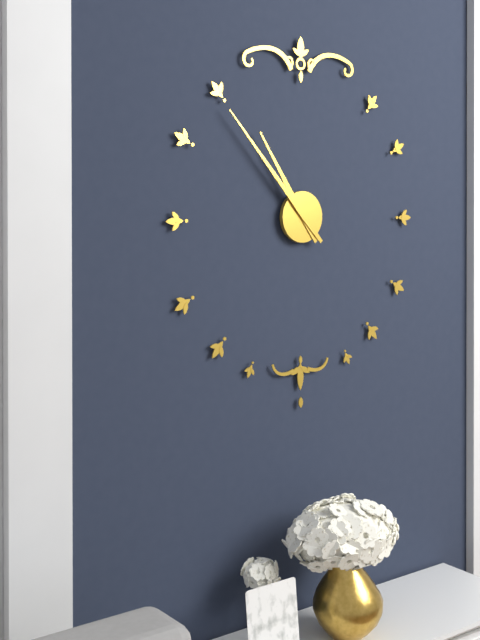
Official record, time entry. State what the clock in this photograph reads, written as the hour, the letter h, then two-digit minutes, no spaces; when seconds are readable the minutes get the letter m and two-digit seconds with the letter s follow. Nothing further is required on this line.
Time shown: 10h53
